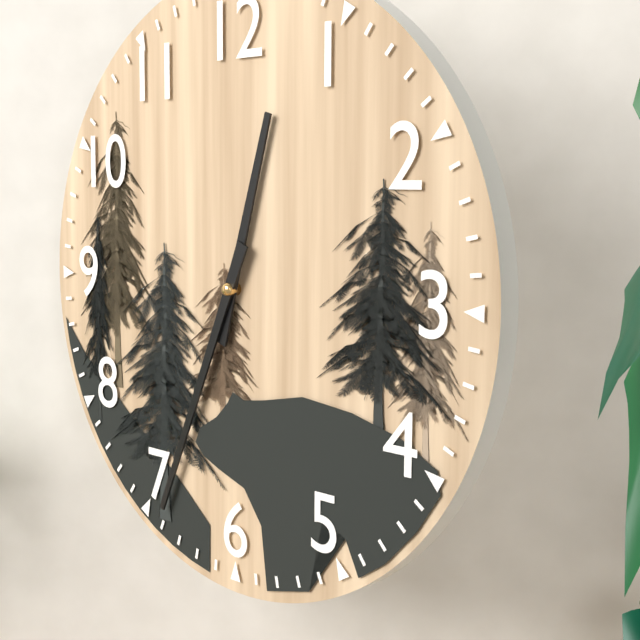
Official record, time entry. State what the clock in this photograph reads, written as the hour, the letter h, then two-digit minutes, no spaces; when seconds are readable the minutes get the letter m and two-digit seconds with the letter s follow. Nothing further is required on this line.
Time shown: 12h34
